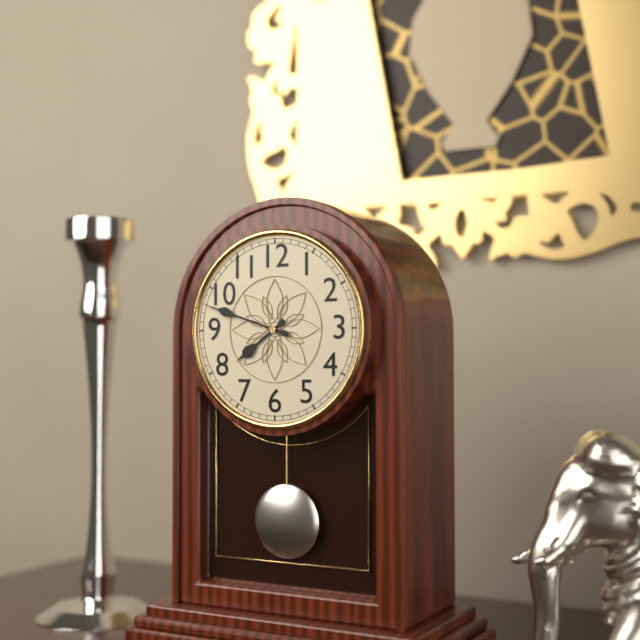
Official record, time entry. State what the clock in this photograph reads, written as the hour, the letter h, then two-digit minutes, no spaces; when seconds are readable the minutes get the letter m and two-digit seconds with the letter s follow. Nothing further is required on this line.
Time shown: 7h48
